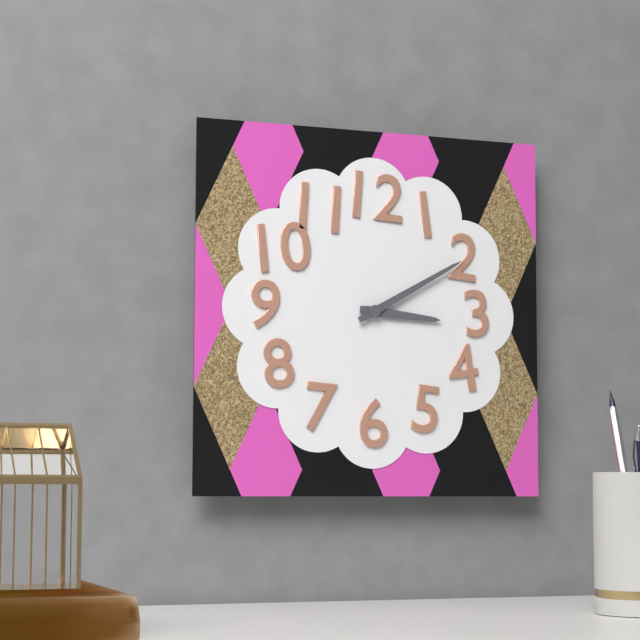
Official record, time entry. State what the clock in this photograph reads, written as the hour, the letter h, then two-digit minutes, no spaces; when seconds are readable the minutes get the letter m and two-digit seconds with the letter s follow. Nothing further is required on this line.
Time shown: 3h10
